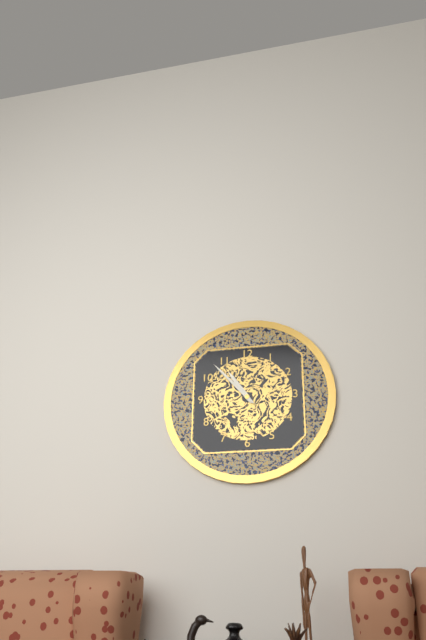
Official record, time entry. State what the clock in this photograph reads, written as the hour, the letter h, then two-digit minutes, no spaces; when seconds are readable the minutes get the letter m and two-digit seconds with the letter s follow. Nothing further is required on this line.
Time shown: 10h53
